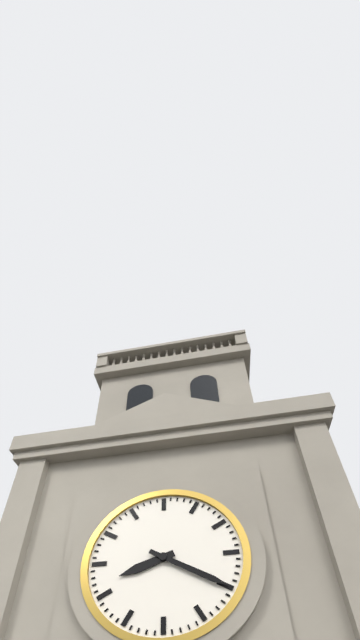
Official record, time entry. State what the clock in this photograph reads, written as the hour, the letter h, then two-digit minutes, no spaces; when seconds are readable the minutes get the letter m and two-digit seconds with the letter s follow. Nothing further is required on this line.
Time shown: 8h20
